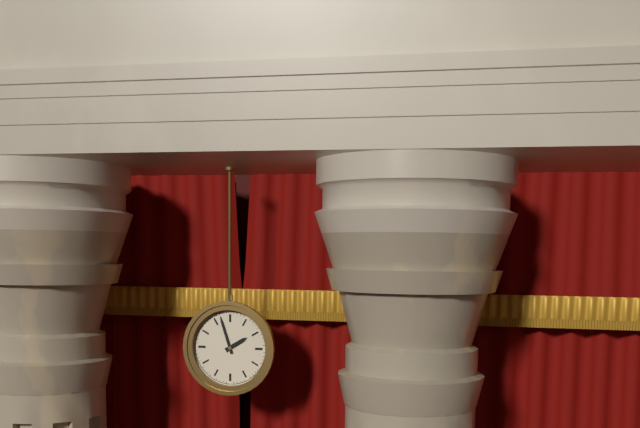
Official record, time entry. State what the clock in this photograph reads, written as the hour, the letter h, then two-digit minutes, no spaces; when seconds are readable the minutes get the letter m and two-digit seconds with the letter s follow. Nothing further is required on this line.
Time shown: 1h57
